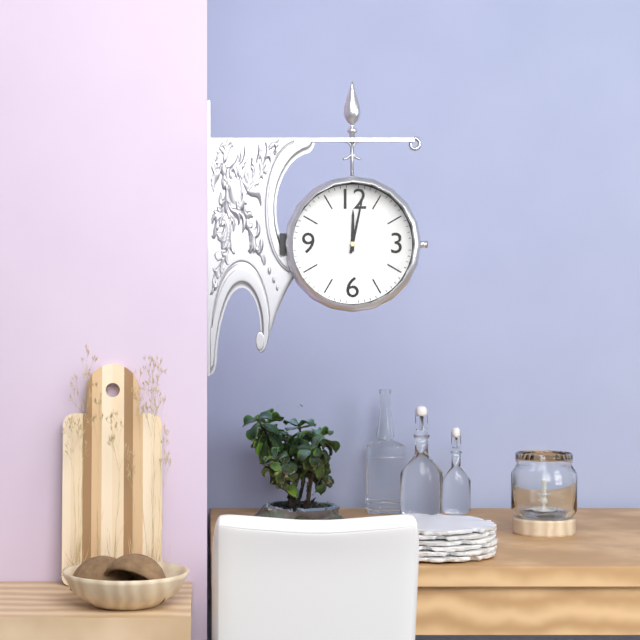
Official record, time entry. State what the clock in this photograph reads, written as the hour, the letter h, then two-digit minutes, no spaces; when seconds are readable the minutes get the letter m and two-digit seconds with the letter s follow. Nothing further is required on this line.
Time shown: 12h02
